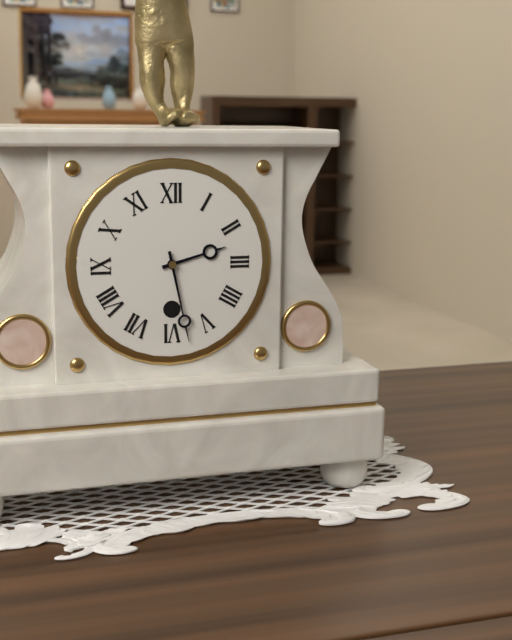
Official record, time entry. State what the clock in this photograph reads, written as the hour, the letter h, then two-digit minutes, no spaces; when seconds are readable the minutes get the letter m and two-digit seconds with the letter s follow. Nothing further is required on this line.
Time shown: 2h28
